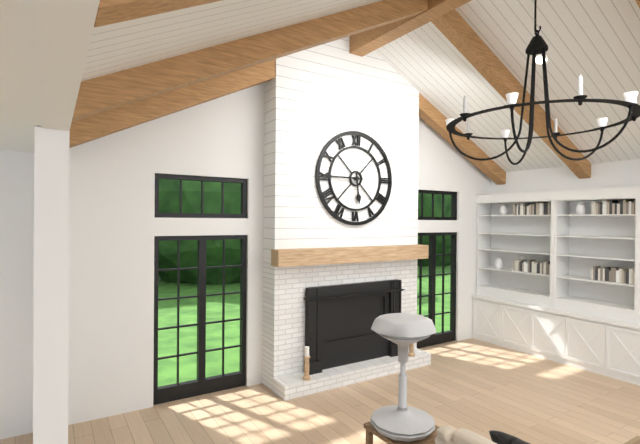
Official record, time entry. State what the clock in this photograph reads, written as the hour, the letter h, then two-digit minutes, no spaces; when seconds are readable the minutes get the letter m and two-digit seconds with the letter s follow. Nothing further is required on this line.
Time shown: 5h45
